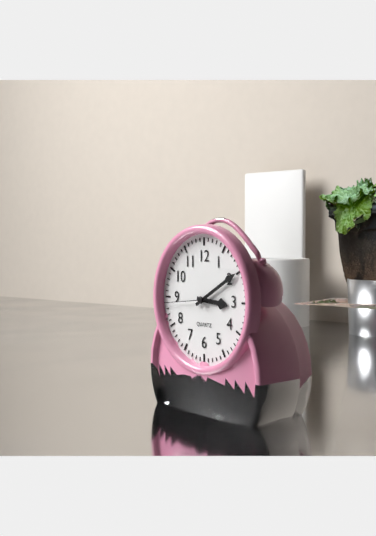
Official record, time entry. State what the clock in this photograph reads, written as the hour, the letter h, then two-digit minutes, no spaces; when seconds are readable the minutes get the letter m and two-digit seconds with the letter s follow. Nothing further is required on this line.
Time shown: 3h10
